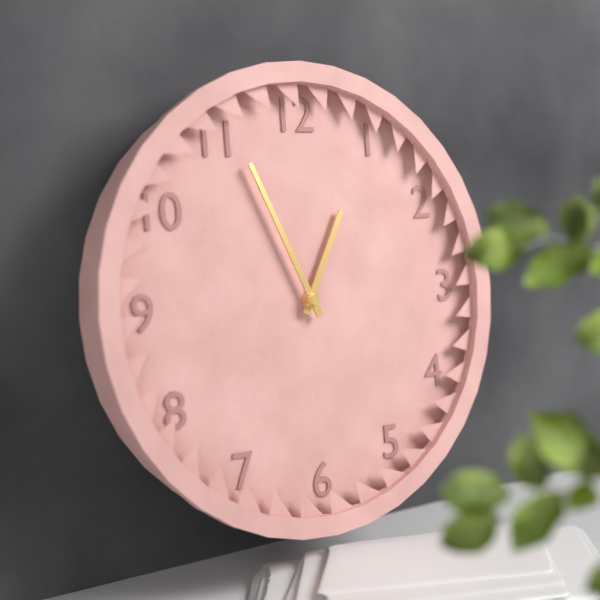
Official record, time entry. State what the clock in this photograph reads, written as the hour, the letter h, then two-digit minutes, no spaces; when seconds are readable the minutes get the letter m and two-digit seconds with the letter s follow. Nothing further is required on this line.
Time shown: 12h56
